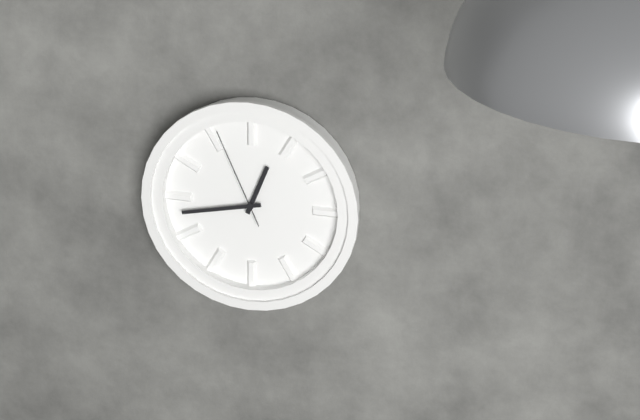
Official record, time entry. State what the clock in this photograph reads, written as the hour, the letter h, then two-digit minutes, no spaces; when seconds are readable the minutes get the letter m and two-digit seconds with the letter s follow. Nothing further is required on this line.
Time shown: 12h43m56s
